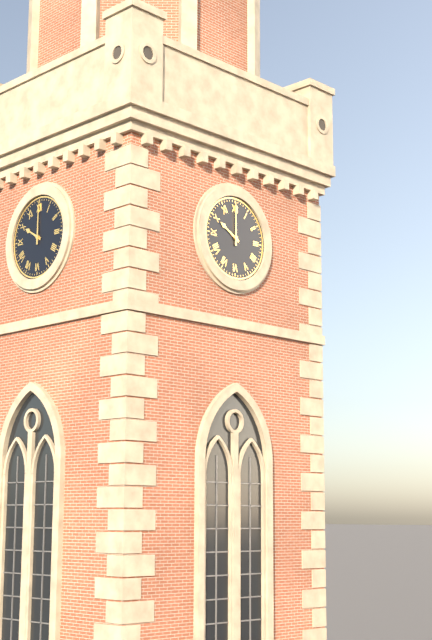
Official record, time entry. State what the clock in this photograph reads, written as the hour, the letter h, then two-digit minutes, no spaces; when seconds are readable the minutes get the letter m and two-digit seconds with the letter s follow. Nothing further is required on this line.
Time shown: 10h00
